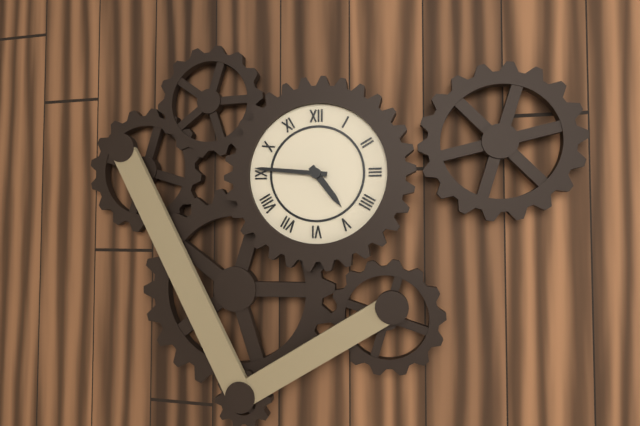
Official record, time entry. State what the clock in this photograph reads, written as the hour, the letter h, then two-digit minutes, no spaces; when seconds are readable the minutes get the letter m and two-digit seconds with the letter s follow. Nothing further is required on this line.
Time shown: 4h46
